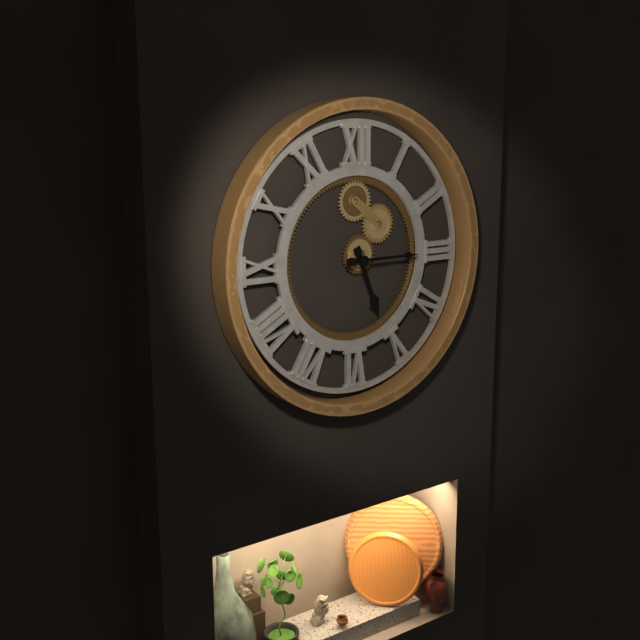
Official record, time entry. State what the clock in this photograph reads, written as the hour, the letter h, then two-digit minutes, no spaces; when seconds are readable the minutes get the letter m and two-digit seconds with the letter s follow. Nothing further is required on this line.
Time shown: 5h15
